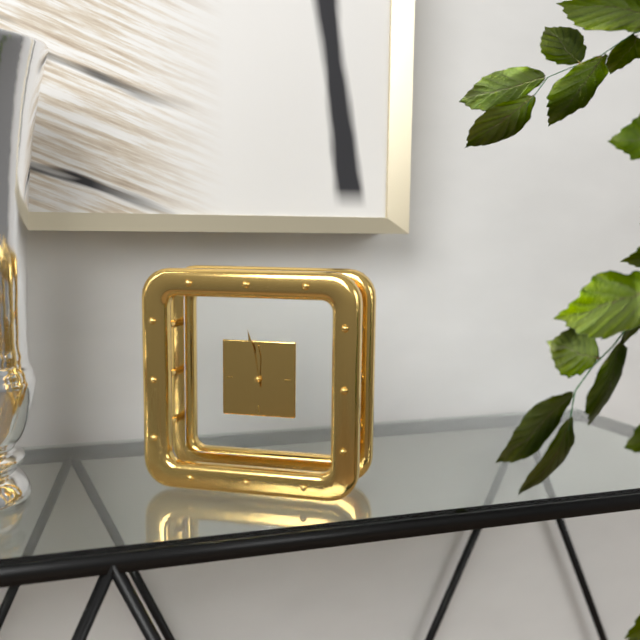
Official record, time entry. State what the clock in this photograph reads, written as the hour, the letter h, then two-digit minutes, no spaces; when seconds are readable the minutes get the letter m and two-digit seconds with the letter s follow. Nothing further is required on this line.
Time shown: 11h58
